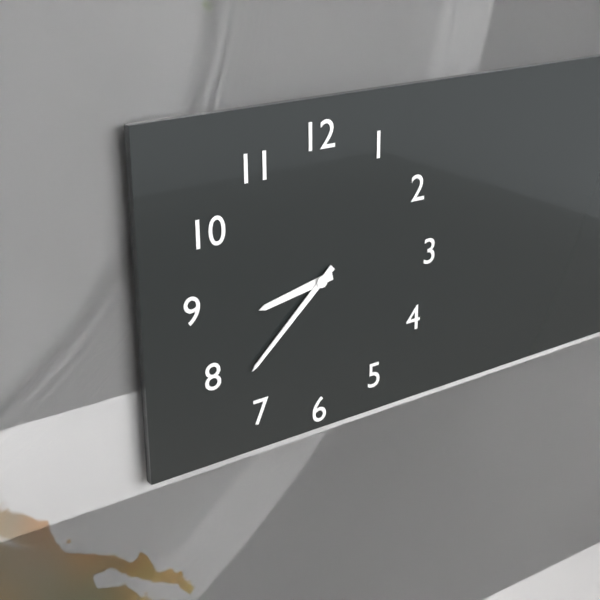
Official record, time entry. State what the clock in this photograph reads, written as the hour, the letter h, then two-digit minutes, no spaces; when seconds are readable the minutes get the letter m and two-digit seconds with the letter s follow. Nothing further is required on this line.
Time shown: 8h38
